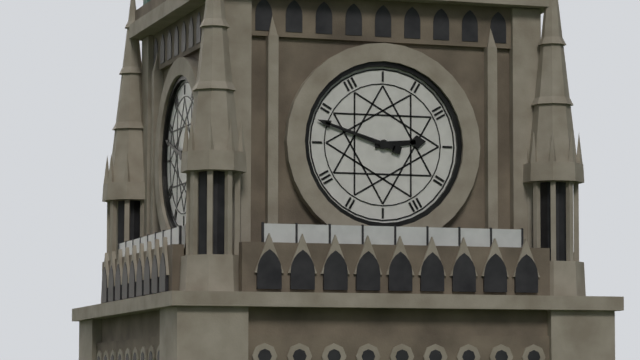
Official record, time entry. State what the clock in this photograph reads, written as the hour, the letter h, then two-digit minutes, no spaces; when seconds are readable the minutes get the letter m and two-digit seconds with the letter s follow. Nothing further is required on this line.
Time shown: 2h48
